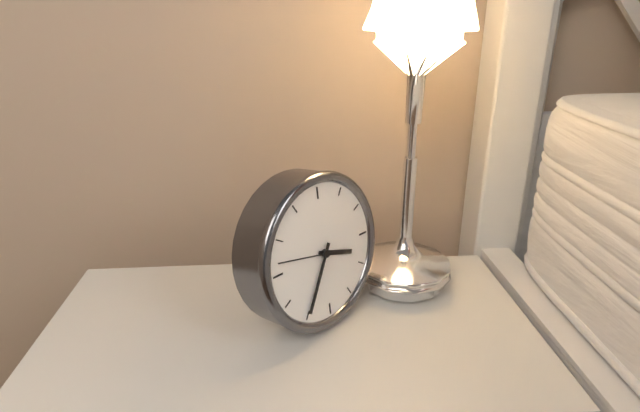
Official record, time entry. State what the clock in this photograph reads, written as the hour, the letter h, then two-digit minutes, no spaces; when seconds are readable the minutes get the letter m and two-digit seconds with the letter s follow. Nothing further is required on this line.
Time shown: 3h35m47s
